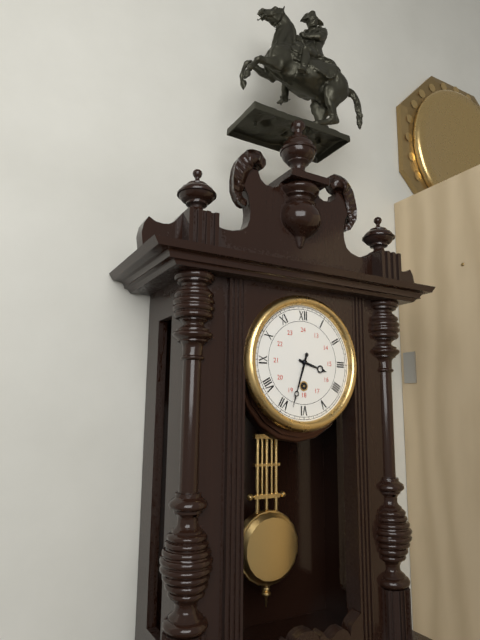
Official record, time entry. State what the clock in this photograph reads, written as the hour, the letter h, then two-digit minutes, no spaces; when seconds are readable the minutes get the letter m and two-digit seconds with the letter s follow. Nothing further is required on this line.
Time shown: 3h33
